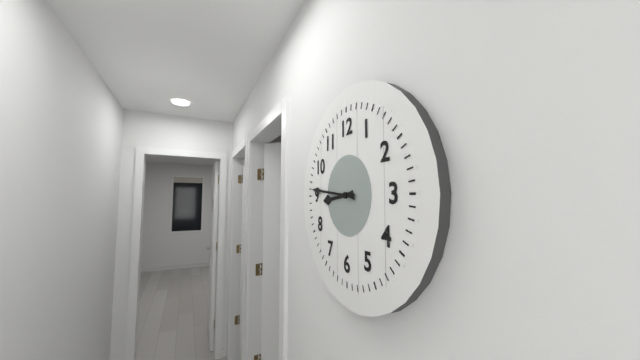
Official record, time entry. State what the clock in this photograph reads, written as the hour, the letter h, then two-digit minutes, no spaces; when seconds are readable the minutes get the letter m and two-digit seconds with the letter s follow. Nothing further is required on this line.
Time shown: 8h46
